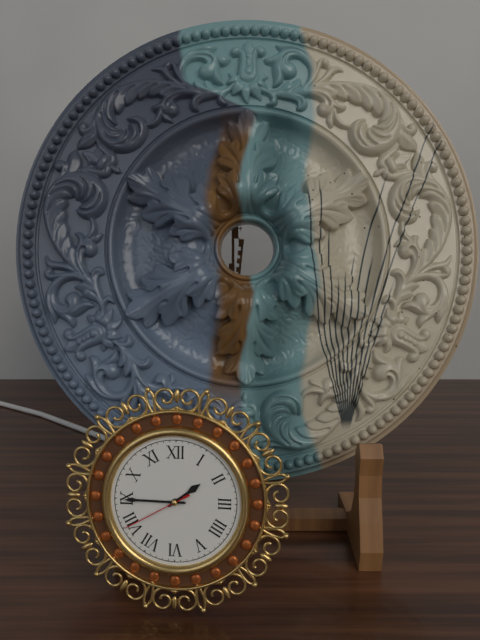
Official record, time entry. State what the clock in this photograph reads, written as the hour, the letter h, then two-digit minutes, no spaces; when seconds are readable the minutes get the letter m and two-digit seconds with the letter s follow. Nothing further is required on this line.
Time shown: 1h45m40s
